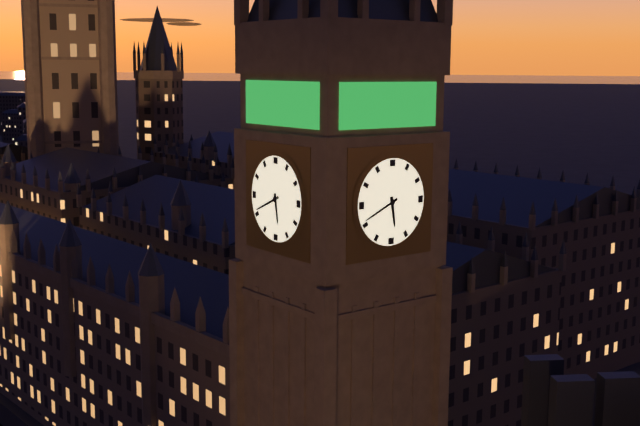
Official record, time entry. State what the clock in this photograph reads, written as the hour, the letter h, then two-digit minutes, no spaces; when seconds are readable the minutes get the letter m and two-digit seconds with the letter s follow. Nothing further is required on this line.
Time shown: 5h41
